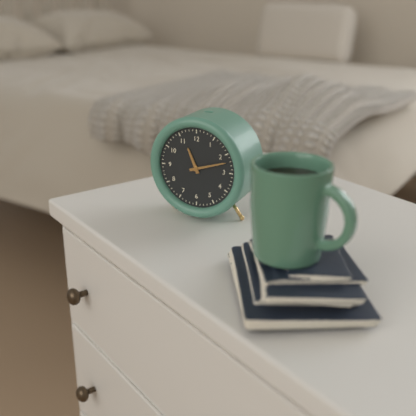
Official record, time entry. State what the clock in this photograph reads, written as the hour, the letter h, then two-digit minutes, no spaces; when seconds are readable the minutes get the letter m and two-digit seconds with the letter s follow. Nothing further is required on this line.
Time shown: 11h12
